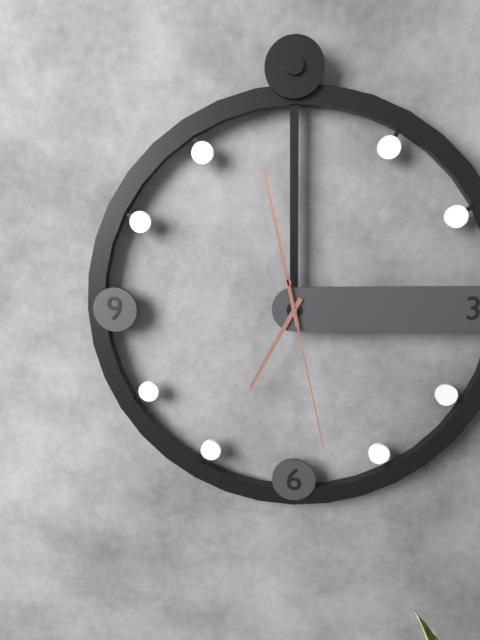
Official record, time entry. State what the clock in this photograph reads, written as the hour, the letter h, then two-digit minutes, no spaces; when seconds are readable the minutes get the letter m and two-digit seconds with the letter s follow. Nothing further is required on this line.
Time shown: 6h58m28s
